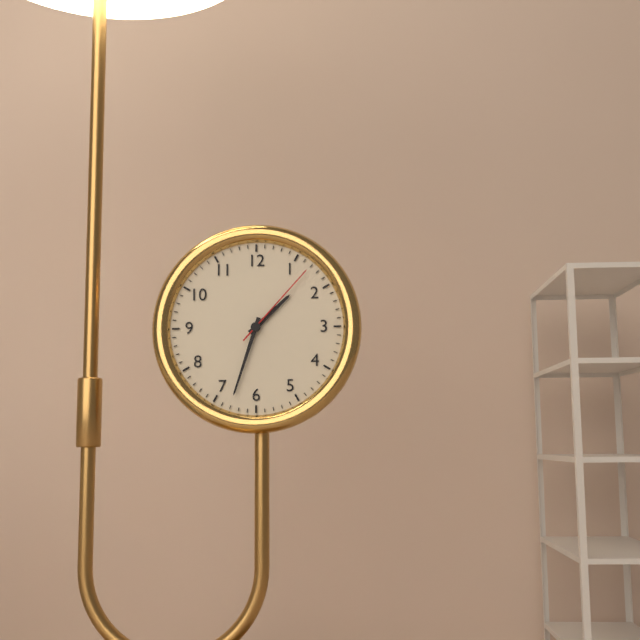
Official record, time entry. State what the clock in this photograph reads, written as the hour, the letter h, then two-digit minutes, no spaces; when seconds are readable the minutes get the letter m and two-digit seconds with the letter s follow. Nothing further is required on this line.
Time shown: 1h33m07s
